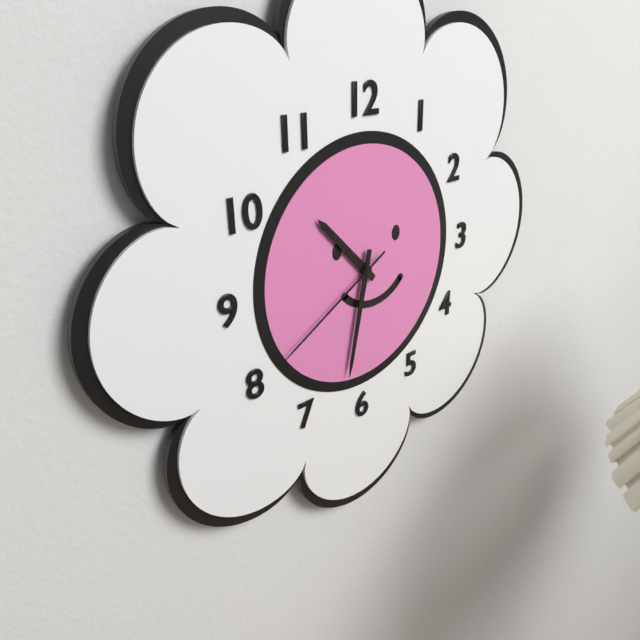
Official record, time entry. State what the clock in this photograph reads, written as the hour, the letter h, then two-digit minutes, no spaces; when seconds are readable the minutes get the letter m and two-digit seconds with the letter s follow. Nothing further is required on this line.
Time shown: 10h32m40s
